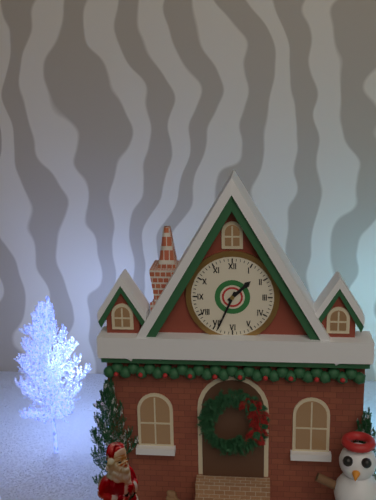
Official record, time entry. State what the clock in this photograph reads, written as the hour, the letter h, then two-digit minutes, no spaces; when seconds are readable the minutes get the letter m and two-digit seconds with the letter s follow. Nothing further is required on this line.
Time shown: 1h34
